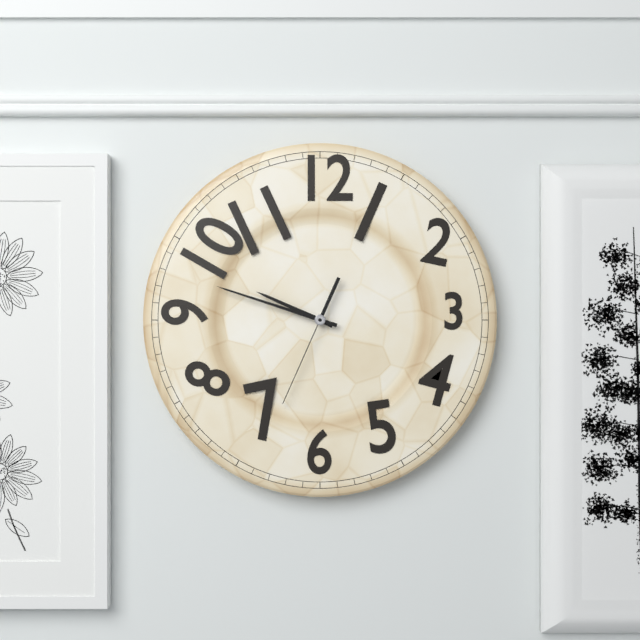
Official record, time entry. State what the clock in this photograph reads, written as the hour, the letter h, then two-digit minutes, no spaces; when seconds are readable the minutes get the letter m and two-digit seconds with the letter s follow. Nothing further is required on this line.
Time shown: 9h48m34s
